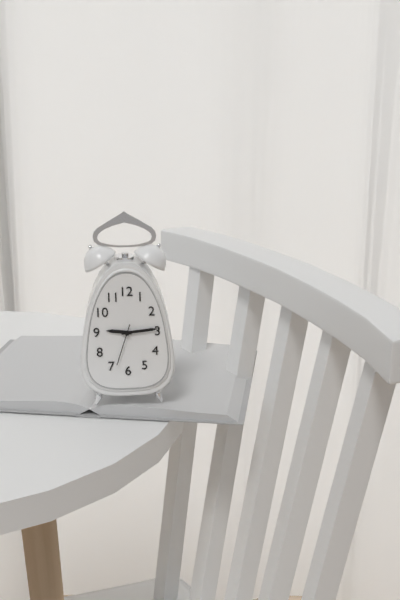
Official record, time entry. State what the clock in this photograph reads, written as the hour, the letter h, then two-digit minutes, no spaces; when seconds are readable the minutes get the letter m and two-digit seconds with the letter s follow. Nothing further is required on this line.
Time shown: 9h14
